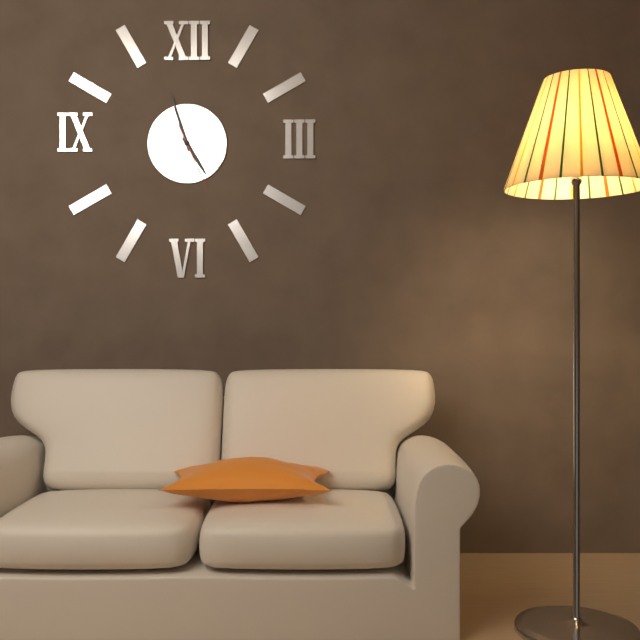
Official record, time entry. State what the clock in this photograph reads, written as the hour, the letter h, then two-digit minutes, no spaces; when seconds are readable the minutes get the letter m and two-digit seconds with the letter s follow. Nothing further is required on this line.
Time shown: 4h57m26s
